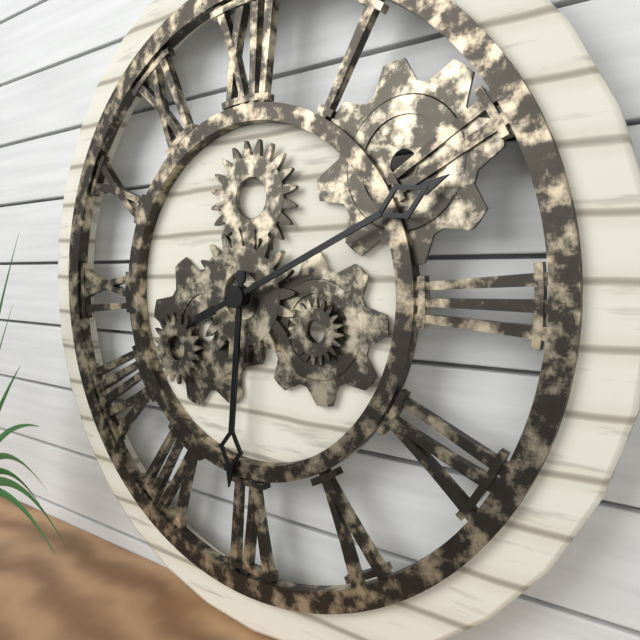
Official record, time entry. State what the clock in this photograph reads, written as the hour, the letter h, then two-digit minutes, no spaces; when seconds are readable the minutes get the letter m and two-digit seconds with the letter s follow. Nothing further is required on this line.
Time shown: 6h11
